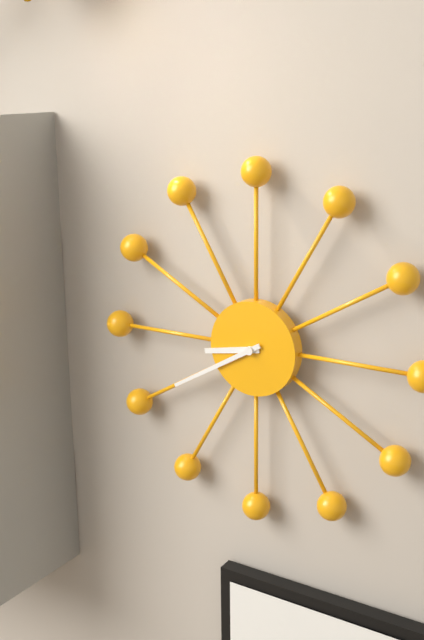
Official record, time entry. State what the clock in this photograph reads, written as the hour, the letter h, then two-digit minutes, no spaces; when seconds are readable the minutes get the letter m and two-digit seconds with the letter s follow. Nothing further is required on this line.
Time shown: 8h40
